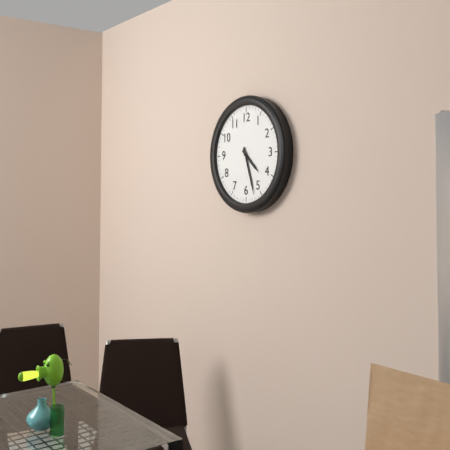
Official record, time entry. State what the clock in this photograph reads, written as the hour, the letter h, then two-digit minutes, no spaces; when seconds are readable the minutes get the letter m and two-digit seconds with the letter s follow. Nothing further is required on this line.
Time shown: 4h27
